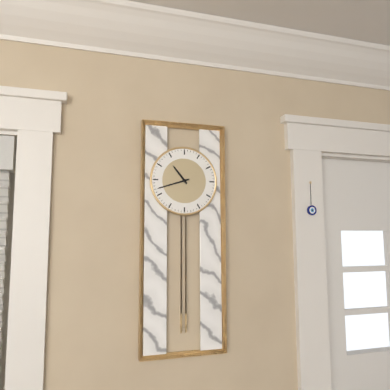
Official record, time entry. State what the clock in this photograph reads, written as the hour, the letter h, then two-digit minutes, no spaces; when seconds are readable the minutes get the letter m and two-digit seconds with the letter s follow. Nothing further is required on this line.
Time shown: 10h42
